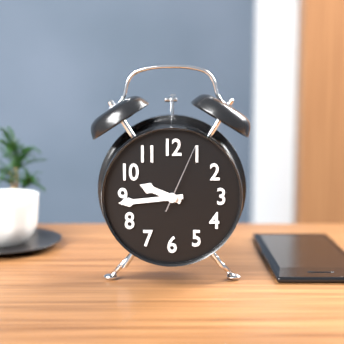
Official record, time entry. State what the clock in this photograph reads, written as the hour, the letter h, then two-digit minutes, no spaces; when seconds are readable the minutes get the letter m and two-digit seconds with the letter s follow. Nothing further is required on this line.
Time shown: 9h44m04s
